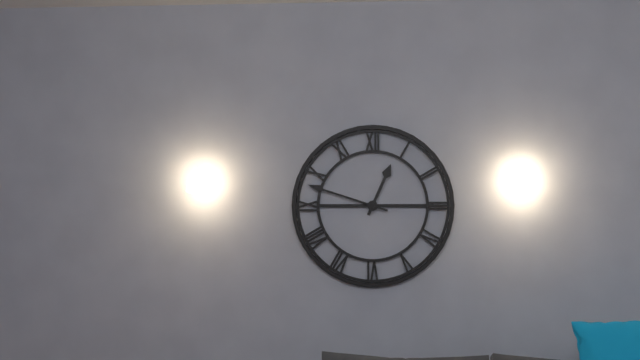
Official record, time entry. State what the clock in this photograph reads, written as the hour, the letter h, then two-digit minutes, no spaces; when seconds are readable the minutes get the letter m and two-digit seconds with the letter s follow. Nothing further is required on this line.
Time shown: 12h48
